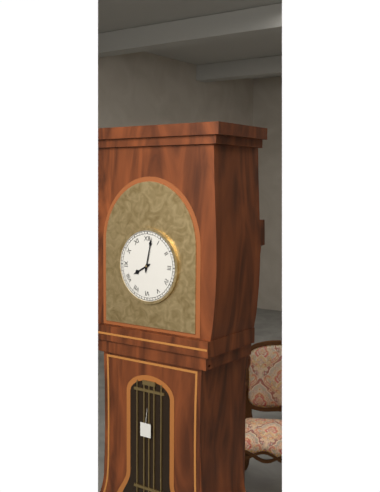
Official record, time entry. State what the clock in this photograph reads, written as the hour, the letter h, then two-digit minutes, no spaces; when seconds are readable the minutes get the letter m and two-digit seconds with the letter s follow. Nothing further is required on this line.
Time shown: 8h02
